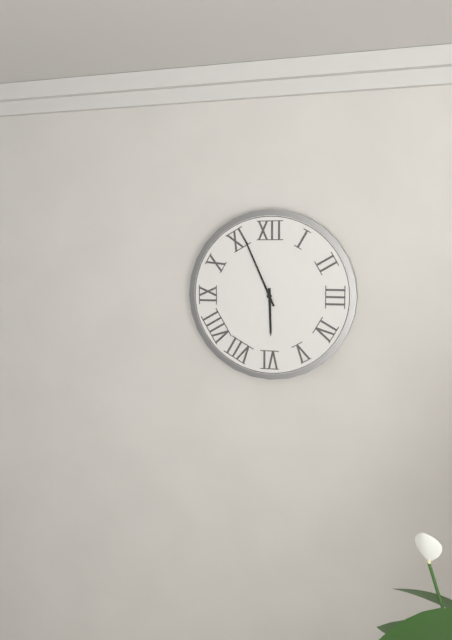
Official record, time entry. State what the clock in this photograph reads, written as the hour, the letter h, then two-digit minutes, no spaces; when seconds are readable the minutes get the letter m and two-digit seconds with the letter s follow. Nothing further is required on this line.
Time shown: 5h56
